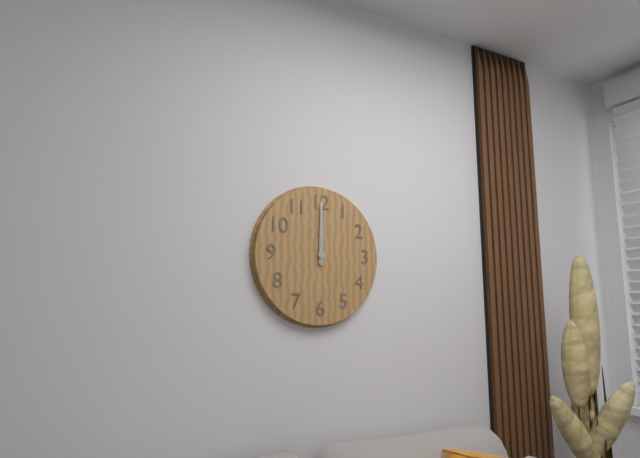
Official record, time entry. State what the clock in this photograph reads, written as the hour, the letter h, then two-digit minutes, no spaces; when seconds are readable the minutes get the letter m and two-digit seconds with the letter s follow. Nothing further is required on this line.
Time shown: 12h00
